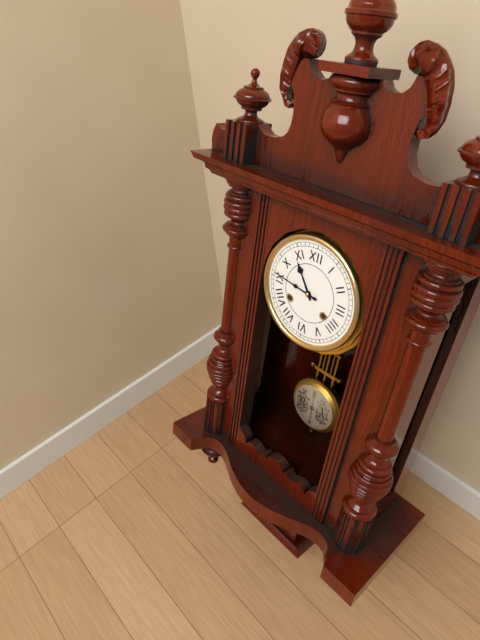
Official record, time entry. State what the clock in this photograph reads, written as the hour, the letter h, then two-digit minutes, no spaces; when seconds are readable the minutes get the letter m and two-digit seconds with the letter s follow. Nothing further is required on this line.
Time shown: 10h46
